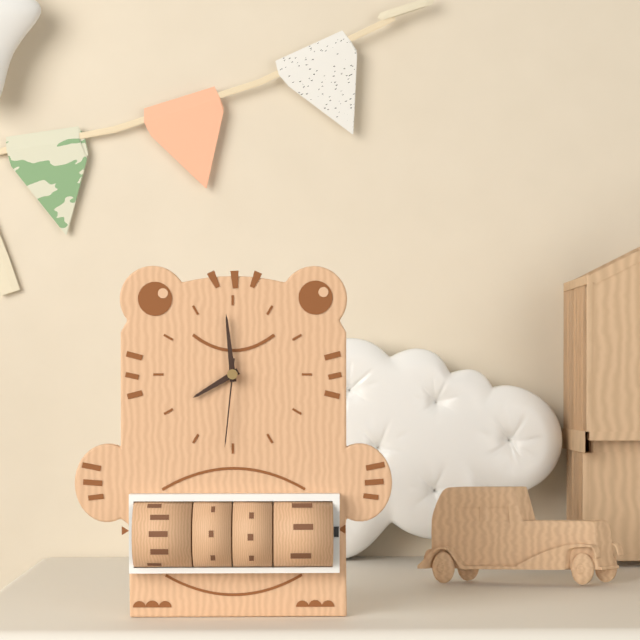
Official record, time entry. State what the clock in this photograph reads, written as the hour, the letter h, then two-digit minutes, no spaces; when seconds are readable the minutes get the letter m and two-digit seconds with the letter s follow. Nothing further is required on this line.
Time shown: 7h59m31s
